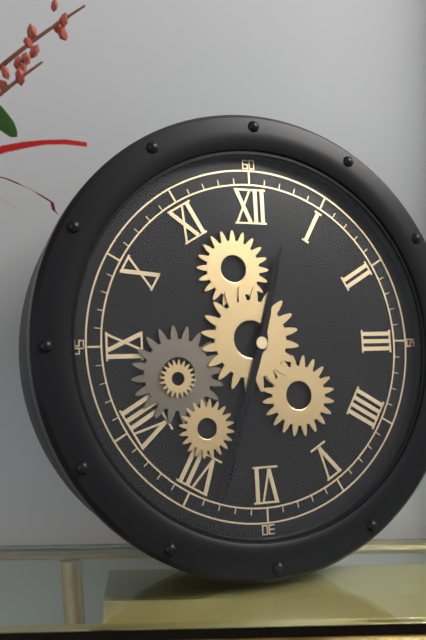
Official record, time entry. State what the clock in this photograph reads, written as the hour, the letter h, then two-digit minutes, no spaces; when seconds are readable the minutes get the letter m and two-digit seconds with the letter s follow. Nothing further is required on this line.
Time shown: 12h33
